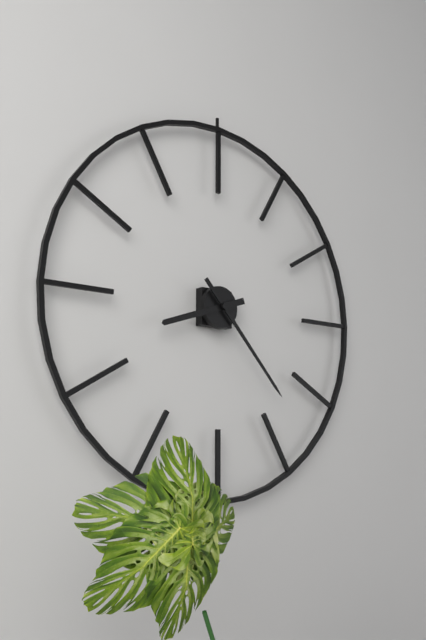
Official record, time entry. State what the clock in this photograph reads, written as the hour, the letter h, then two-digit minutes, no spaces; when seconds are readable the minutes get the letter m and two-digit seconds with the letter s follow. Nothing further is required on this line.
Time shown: 8h23
